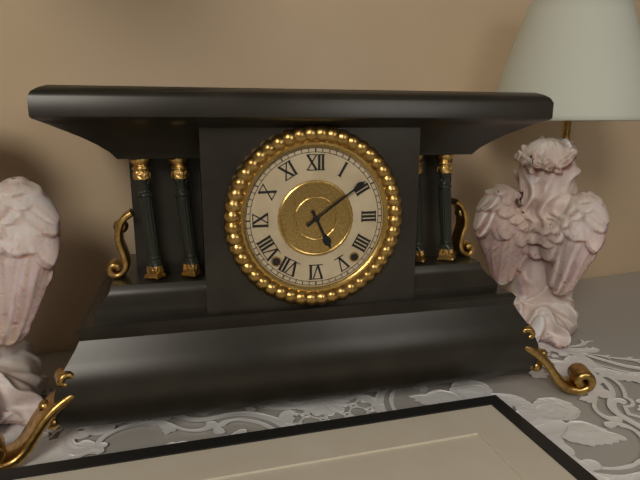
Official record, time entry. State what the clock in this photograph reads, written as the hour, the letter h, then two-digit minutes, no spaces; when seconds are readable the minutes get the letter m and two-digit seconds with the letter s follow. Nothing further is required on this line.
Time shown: 5h09
